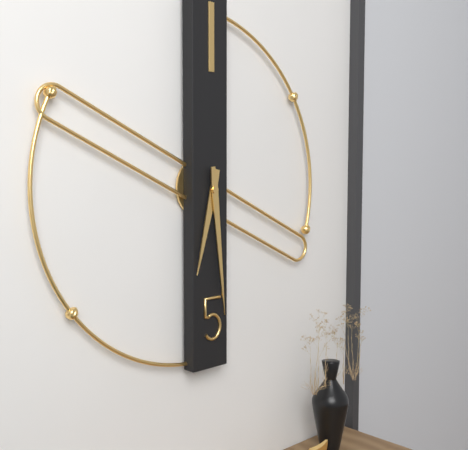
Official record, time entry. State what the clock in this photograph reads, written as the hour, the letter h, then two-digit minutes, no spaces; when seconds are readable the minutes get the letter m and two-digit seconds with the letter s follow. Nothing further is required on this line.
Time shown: 6h29
